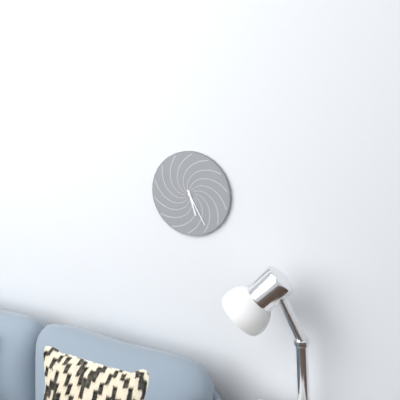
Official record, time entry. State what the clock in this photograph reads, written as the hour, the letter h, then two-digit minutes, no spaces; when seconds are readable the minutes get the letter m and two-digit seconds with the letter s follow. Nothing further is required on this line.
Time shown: 5h25
